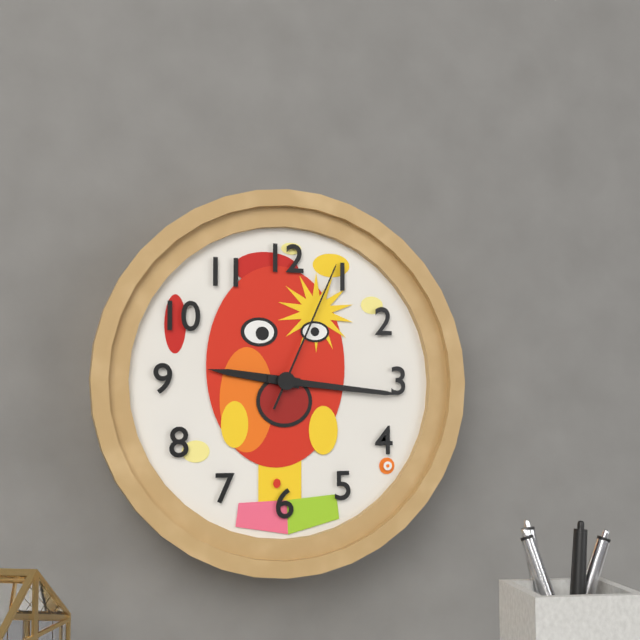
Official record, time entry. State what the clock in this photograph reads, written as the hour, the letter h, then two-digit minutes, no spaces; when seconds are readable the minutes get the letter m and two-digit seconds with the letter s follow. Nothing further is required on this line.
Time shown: 9h16m04s
